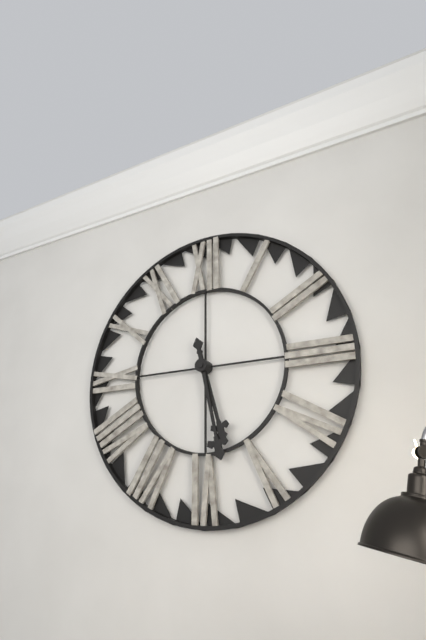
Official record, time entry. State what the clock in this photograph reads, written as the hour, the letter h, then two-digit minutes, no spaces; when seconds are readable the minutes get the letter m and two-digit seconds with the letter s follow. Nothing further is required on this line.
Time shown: 5h28
